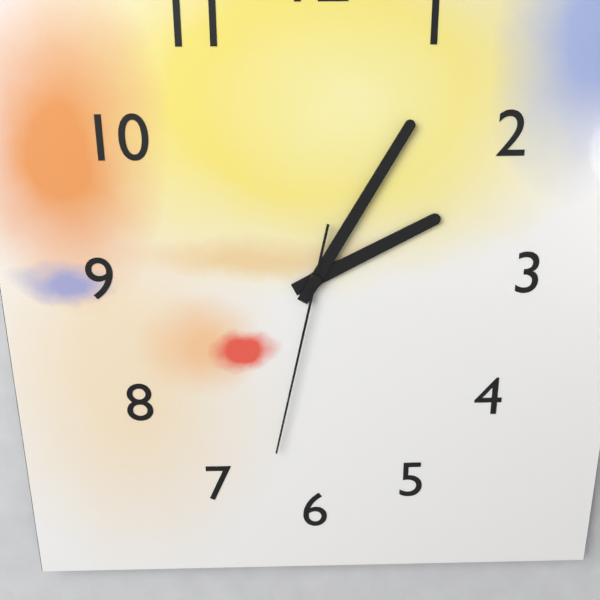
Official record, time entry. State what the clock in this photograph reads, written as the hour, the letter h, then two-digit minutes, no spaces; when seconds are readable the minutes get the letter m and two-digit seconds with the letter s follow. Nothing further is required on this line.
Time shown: 2h05m32s
